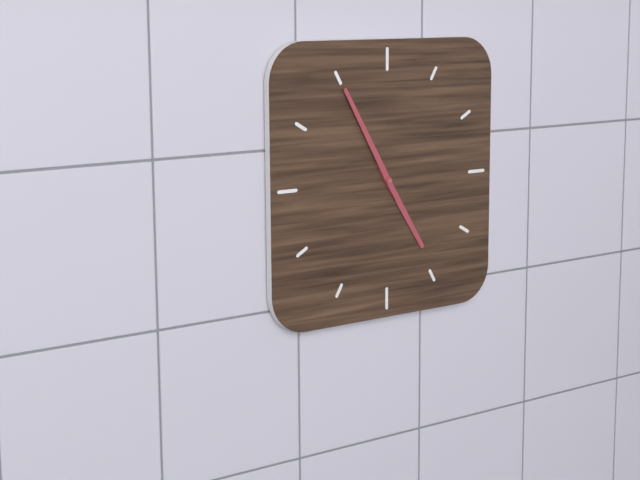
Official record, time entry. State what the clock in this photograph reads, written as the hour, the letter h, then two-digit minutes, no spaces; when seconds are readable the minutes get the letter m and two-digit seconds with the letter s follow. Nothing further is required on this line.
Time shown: 4h55
